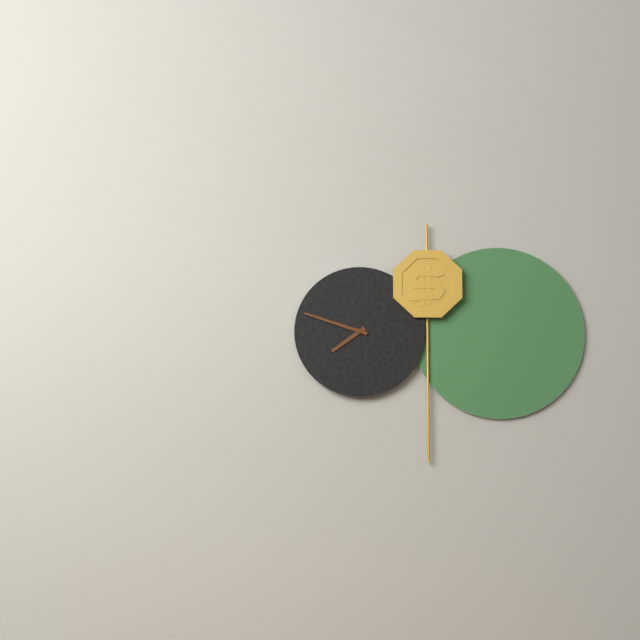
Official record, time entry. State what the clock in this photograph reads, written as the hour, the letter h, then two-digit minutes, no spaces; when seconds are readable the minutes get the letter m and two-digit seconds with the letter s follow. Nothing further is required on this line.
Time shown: 7h48
